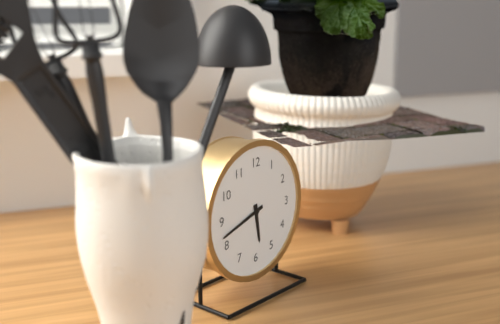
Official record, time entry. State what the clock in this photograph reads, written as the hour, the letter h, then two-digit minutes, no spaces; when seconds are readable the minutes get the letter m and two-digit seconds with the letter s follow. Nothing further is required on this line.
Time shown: 5h42
